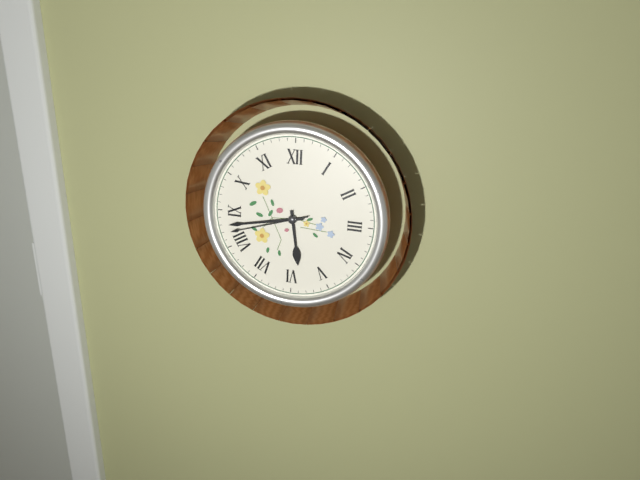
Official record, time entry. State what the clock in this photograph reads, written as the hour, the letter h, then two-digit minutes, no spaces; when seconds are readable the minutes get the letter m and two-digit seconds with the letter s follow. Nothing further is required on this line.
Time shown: 5h43m42s
